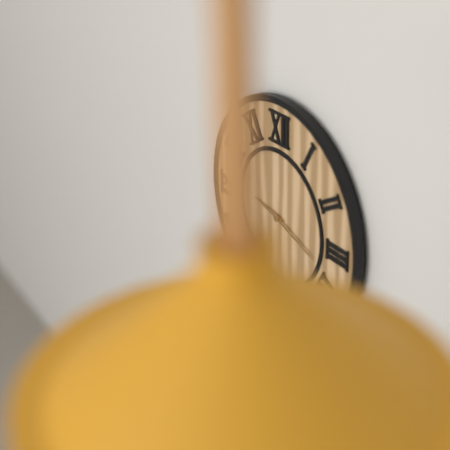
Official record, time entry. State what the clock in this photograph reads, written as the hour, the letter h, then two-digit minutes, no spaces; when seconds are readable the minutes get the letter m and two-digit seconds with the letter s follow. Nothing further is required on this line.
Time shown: 9h18
